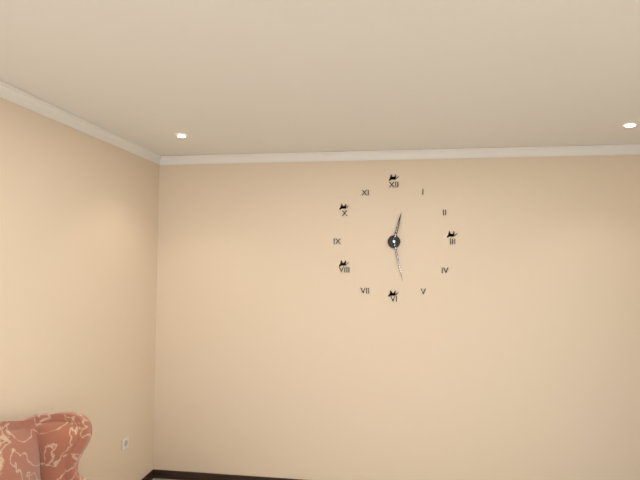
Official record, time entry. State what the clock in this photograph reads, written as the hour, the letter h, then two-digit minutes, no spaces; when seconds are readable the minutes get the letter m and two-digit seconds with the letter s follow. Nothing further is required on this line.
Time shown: 12h28
